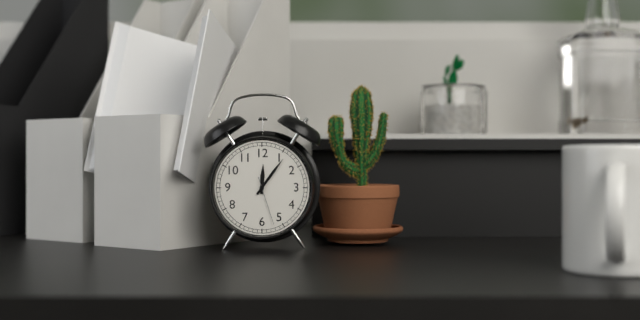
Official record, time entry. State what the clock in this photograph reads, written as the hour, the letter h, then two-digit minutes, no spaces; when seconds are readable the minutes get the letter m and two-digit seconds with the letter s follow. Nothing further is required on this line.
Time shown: 12h06
